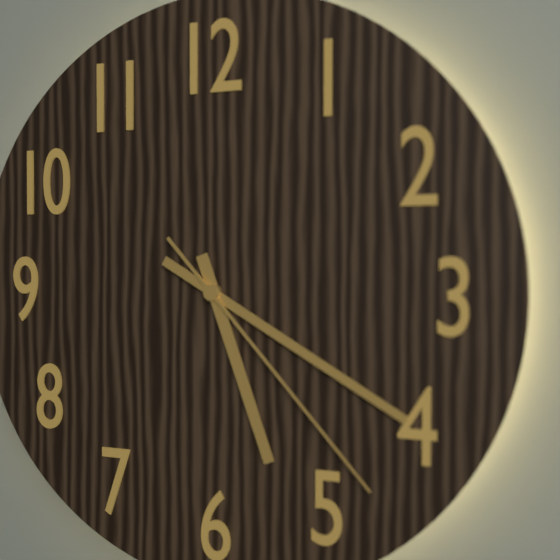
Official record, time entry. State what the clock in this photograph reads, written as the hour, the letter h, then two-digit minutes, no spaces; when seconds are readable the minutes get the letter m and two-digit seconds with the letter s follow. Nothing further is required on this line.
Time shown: 5h20m23s
